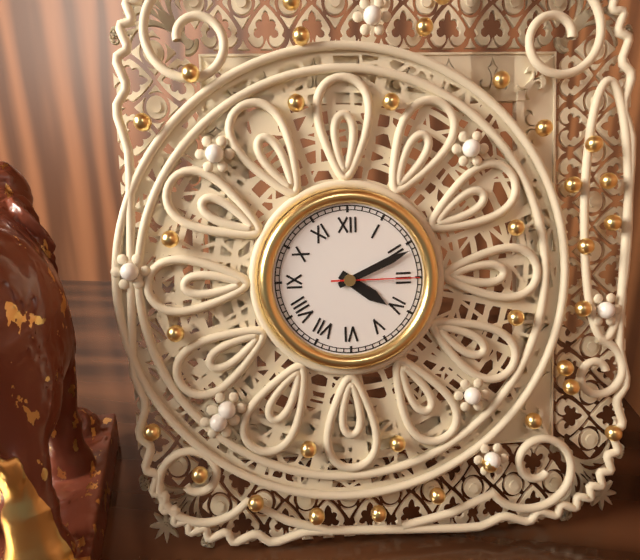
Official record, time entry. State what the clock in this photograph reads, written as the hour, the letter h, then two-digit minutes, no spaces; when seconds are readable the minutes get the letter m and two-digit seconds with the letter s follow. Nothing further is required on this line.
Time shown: 4h11m15s
